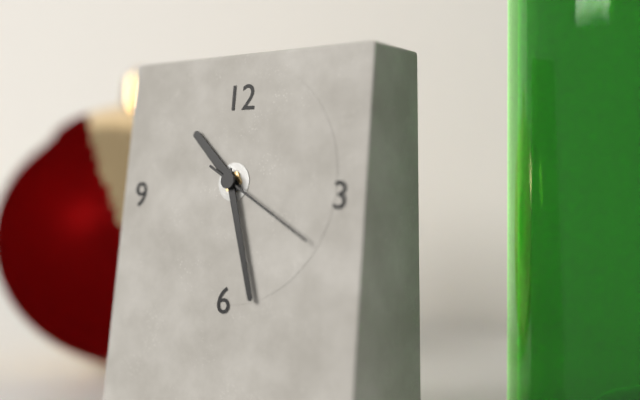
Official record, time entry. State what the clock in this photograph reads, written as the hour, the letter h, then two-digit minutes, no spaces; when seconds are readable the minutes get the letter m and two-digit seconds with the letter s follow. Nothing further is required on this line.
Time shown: 10h27m20s
